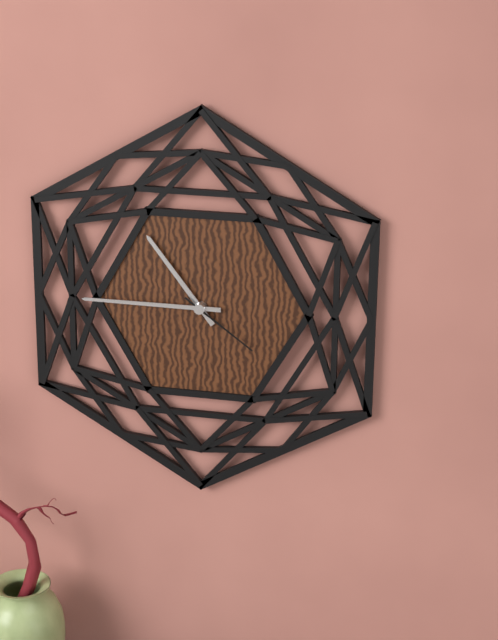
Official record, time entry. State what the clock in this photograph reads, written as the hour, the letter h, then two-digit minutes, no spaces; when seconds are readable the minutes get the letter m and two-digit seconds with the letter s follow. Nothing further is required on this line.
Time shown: 10h45m21s
